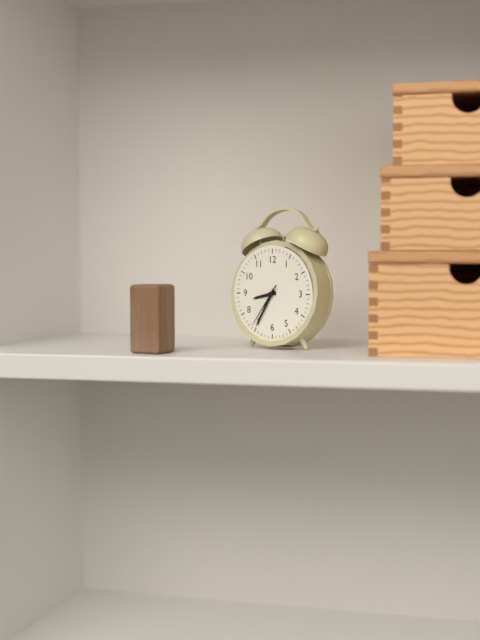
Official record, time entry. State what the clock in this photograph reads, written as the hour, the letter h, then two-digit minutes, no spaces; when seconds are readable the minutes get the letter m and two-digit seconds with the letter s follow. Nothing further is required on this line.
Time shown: 8h35
